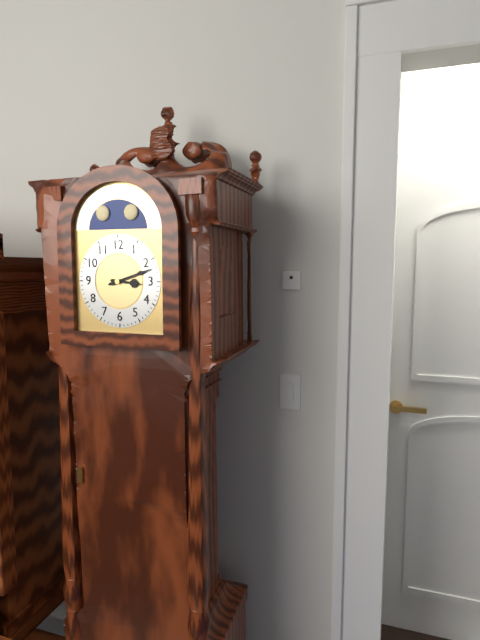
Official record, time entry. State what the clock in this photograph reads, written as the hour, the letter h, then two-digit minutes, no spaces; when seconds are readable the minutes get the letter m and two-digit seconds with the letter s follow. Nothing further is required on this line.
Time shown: 3h12
